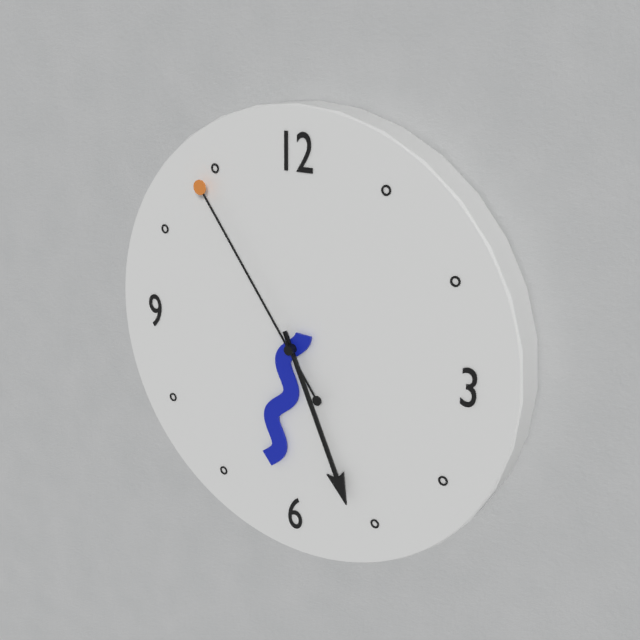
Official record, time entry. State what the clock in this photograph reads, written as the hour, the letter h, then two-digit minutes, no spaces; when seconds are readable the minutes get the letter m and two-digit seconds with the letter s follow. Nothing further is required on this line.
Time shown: 6h26m54s
